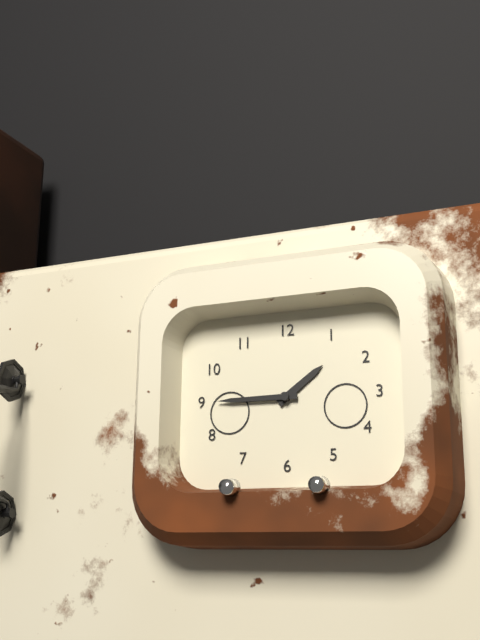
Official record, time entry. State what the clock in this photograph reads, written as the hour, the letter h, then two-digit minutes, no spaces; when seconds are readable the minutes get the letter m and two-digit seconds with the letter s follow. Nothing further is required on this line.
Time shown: 1h45
